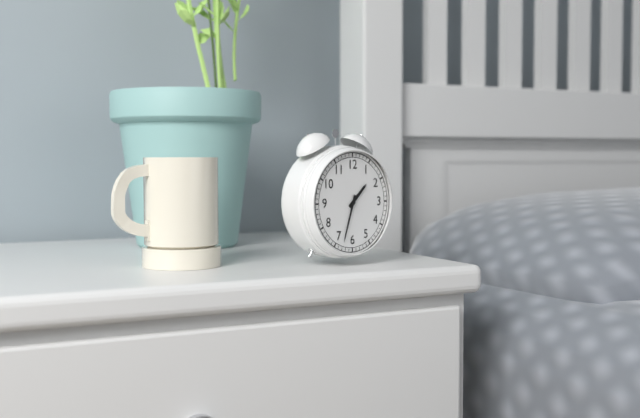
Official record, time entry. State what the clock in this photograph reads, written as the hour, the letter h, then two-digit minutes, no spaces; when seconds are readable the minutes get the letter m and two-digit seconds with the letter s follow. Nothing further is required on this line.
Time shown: 1h33
